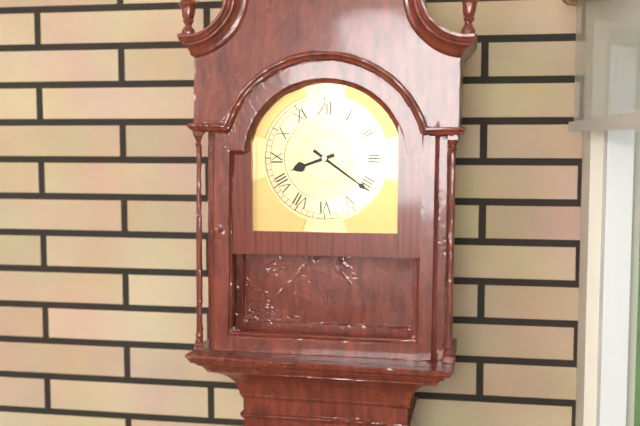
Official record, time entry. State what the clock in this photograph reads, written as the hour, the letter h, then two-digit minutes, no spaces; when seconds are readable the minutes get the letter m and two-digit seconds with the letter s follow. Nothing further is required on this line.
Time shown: 8h21
